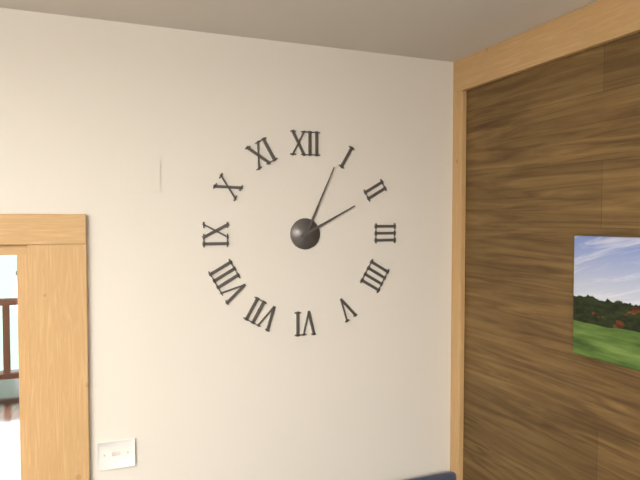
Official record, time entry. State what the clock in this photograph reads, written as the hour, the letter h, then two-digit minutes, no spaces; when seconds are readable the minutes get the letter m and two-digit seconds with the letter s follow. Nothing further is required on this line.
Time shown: 2h04
